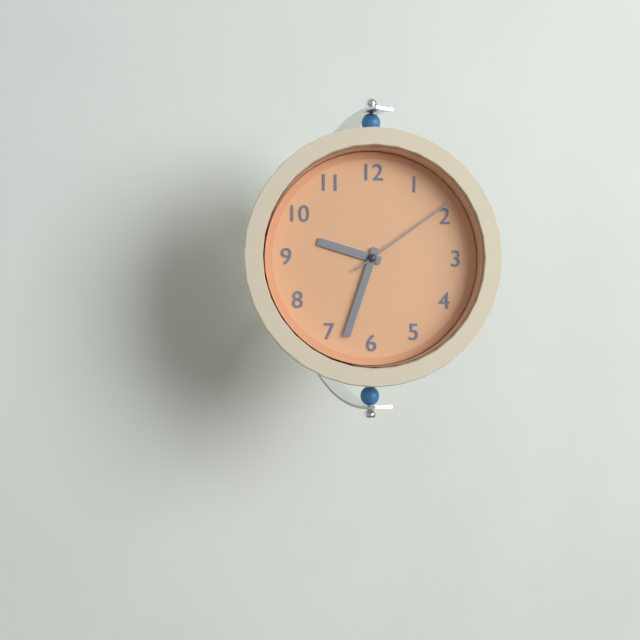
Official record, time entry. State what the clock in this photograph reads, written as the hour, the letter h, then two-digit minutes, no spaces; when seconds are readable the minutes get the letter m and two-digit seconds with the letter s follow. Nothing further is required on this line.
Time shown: 9h33m09s
